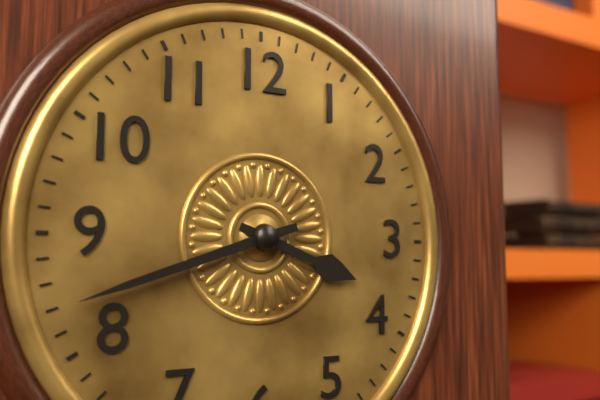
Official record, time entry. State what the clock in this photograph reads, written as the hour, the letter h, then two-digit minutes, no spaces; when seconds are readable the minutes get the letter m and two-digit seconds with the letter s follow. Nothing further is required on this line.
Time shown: 3h42
